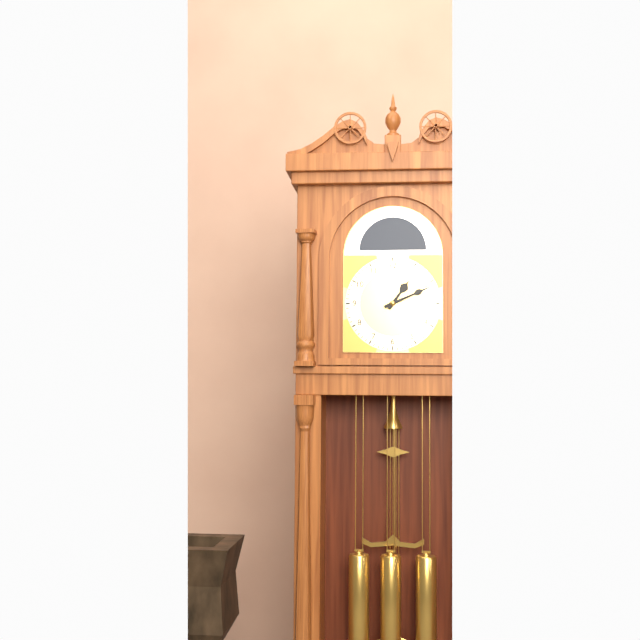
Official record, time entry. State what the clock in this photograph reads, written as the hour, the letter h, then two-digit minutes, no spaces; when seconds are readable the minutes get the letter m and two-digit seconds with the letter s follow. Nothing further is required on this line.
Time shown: 1h11
